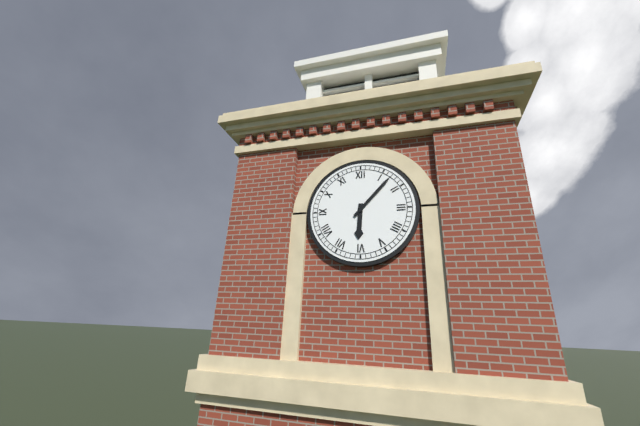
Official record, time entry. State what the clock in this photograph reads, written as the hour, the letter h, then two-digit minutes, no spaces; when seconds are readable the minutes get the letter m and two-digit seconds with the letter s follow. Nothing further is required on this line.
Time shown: 6h07
